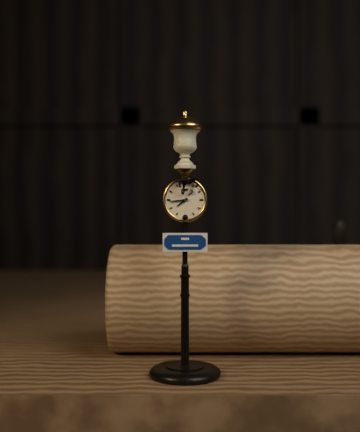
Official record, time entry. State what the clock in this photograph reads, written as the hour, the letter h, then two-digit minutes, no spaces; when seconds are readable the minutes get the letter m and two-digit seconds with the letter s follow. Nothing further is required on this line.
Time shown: 7h44
